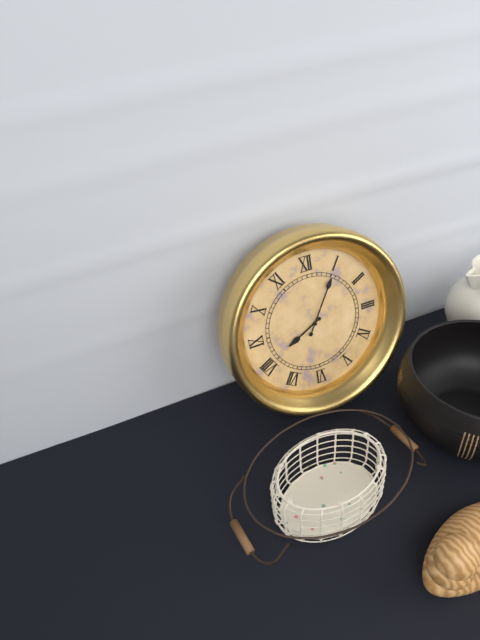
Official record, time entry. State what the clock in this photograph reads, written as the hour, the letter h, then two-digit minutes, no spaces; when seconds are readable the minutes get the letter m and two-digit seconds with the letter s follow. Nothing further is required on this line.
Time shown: 8h05
